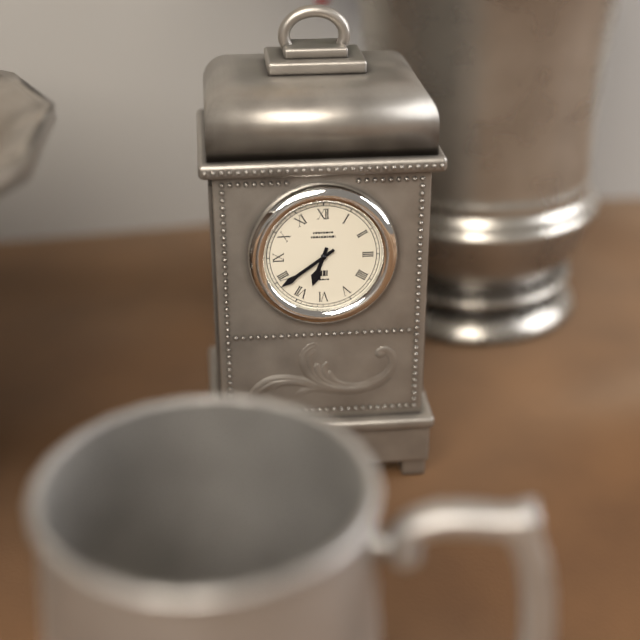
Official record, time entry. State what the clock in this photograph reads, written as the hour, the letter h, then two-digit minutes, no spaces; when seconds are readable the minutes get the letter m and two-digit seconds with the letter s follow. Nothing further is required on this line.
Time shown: 6h39
